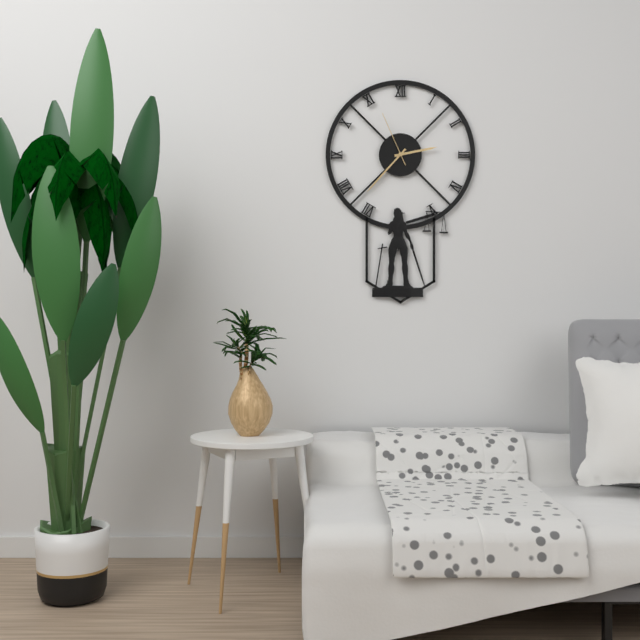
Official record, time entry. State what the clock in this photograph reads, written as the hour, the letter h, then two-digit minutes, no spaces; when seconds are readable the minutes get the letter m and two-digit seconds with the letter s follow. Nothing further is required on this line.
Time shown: 2h37m56s
